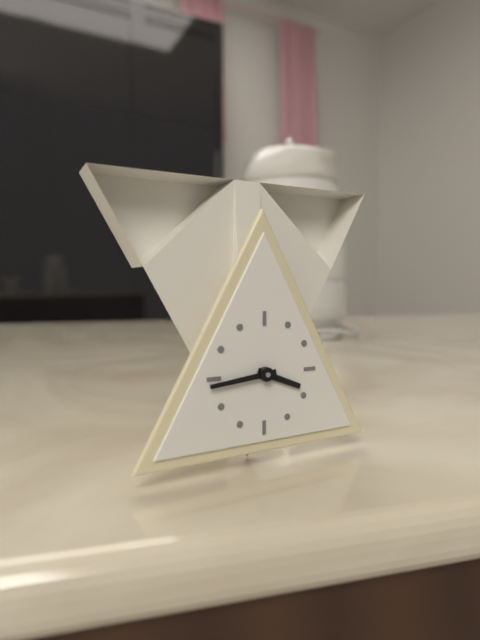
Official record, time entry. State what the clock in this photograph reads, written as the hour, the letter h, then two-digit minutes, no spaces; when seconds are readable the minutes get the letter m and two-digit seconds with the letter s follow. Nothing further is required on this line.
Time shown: 3h44
